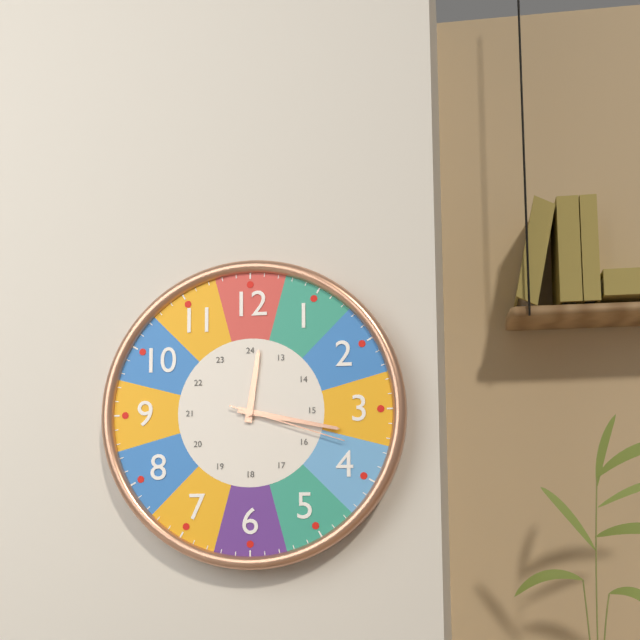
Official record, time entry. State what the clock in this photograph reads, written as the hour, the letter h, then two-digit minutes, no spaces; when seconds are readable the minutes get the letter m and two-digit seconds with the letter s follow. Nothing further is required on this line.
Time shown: 12h17m18s
